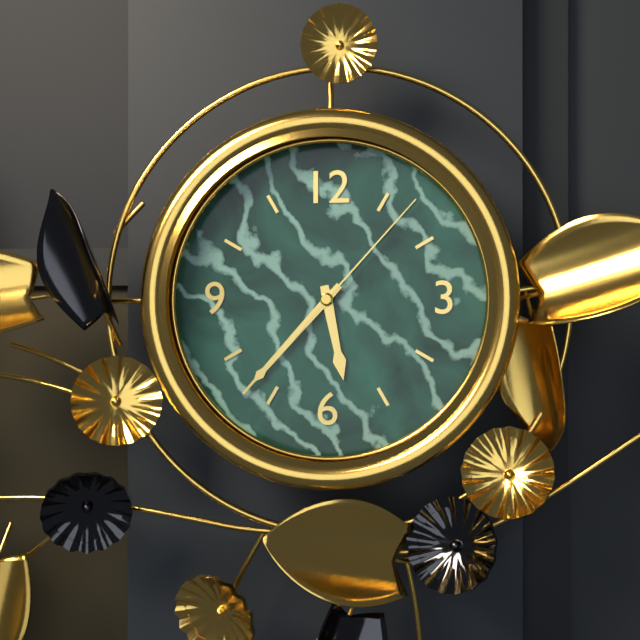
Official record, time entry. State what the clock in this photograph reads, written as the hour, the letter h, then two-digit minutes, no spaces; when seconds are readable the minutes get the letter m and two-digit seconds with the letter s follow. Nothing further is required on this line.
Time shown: 5h37m07s
